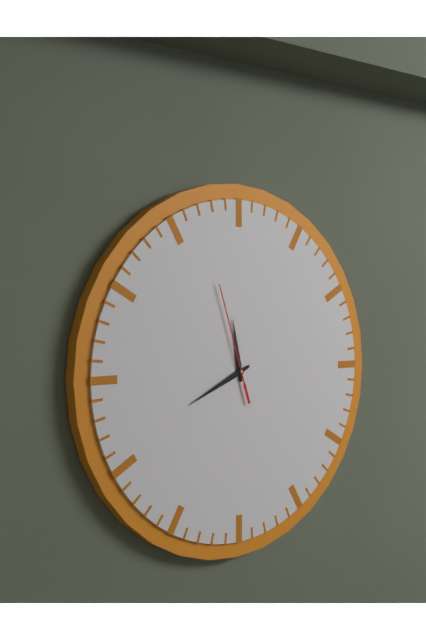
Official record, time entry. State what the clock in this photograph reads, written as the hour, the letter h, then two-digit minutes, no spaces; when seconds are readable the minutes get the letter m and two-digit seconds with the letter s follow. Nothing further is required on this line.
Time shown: 11h41m57s
